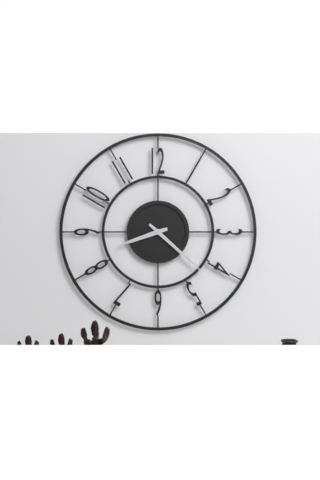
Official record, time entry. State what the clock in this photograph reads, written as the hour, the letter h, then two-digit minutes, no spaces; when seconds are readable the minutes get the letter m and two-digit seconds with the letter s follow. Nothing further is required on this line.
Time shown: 8h22
